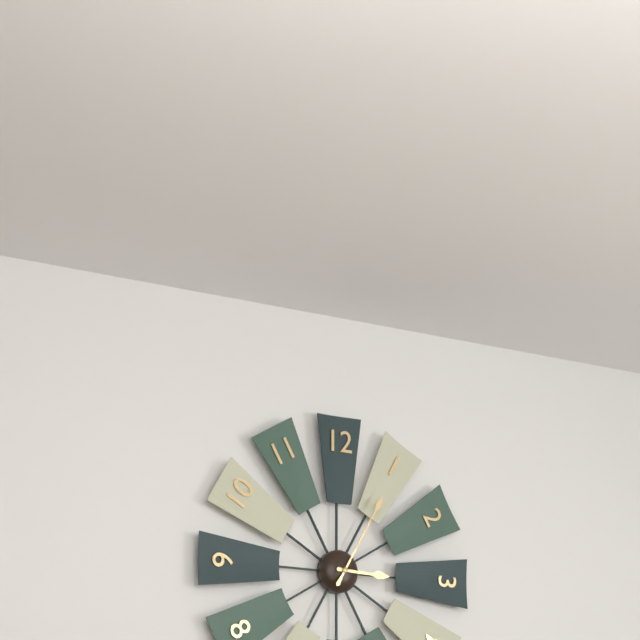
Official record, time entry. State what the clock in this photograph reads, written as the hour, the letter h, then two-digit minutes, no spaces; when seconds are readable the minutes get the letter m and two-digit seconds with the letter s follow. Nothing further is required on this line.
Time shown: 3h05
